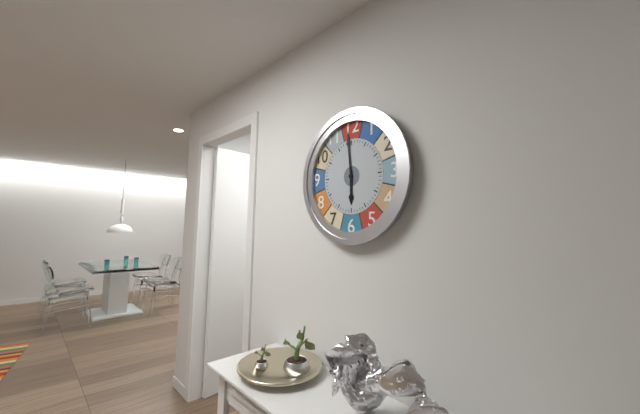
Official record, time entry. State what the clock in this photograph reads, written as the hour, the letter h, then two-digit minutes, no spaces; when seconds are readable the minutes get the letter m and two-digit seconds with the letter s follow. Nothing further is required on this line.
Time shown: 5h59
